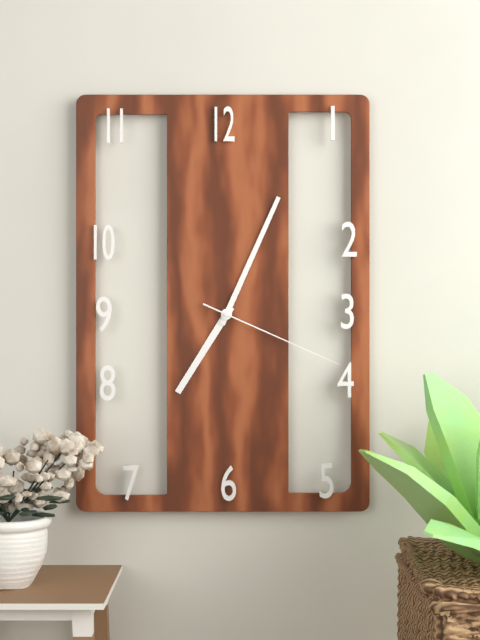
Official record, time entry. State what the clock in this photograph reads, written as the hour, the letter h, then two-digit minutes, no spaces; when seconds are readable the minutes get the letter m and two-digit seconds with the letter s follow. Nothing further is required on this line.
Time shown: 7h04m19s
